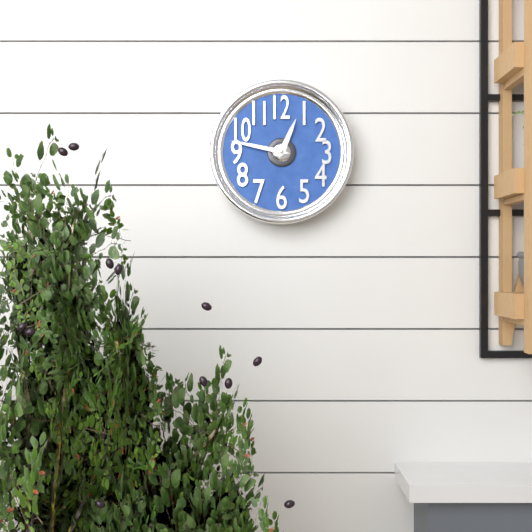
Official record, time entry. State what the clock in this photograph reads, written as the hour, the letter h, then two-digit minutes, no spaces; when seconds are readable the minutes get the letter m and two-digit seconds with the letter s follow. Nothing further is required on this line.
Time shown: 12h47
